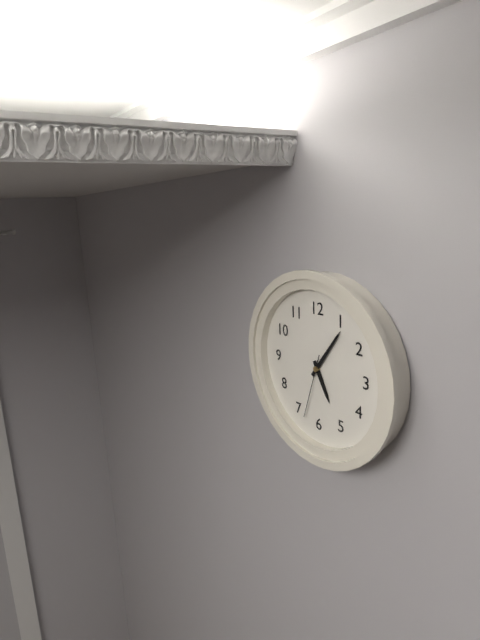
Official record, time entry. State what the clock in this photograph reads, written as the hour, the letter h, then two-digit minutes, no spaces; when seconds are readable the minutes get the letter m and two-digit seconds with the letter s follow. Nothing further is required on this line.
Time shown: 5h06m33s
